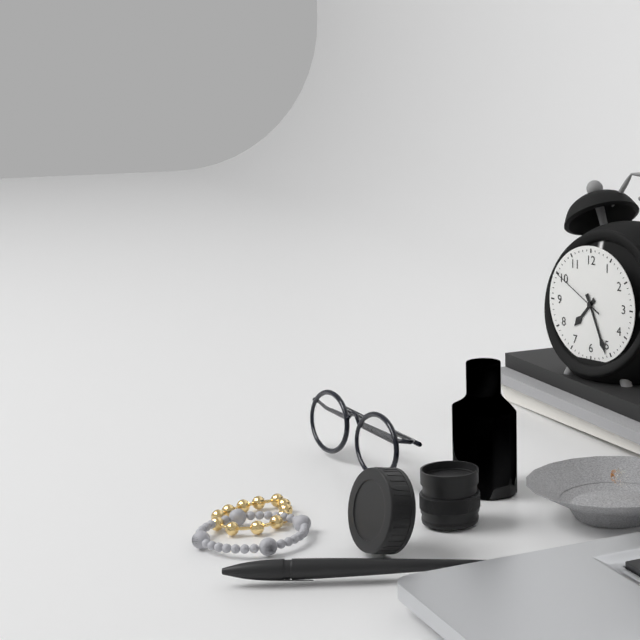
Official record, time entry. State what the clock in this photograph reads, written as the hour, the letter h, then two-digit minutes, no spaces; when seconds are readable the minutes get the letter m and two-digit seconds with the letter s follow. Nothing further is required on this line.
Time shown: 7h26m50s
